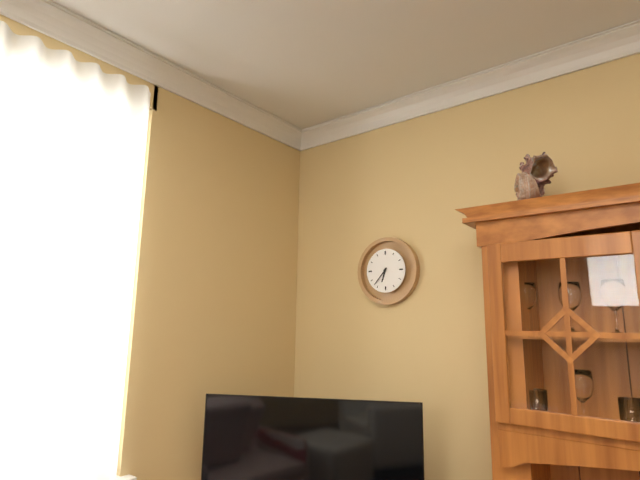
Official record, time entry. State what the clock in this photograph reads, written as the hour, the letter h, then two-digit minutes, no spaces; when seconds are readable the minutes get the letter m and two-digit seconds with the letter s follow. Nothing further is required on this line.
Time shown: 6h37
